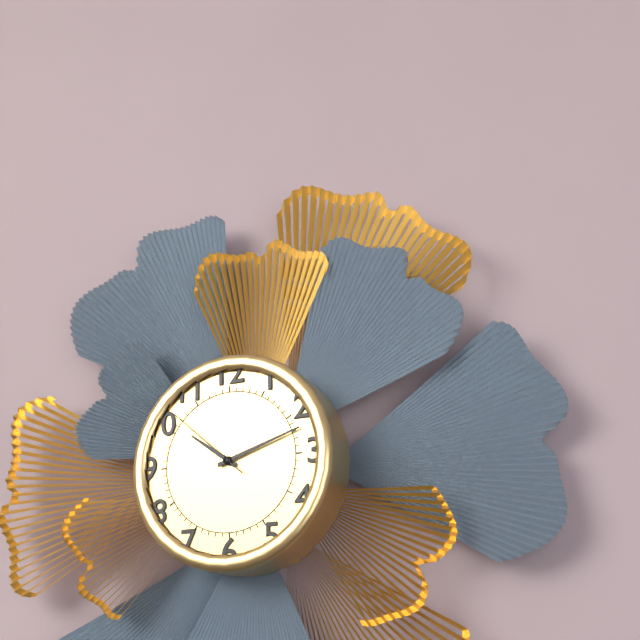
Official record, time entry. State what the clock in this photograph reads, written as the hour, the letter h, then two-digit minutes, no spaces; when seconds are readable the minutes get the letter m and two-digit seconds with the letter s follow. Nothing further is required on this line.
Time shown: 10h12m52s
